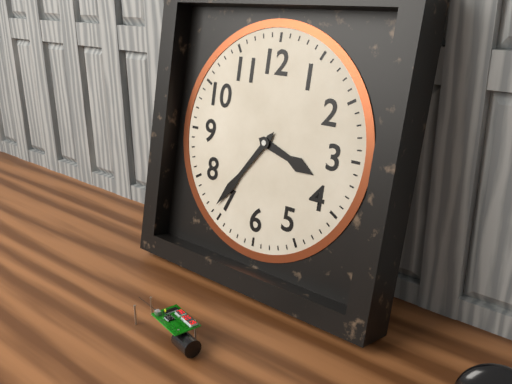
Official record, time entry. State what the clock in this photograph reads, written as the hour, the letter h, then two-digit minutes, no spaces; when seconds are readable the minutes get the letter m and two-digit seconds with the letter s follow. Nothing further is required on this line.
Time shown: 3h36
